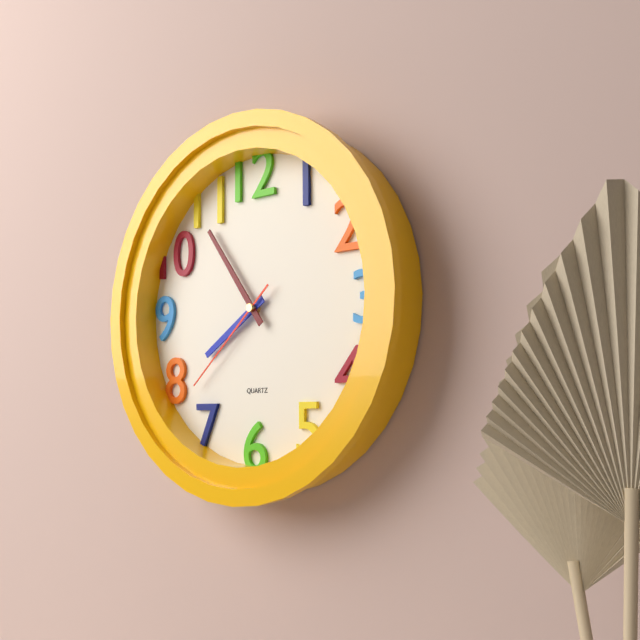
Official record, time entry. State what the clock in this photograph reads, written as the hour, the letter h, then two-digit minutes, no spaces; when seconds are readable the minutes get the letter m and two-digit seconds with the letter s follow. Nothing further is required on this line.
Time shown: 7h54m38s
